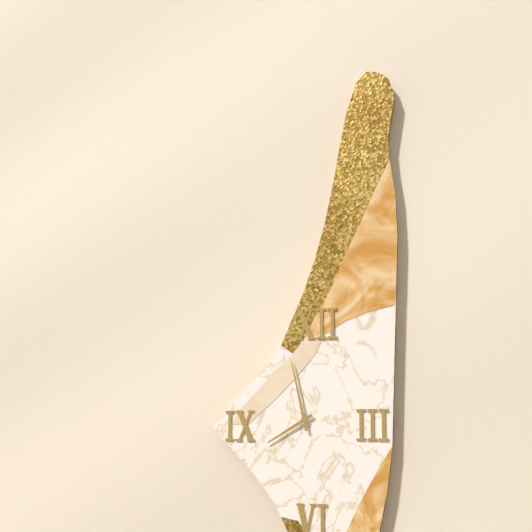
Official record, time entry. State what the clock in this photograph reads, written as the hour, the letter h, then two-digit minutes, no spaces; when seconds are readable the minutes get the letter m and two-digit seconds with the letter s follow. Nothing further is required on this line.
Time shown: 7h58
